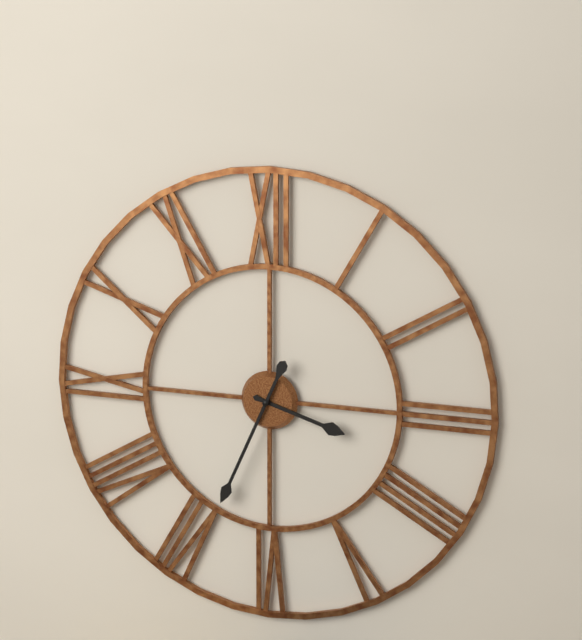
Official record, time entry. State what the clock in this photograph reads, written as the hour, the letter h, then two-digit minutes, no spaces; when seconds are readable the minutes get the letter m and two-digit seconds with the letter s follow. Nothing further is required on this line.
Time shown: 3h34
